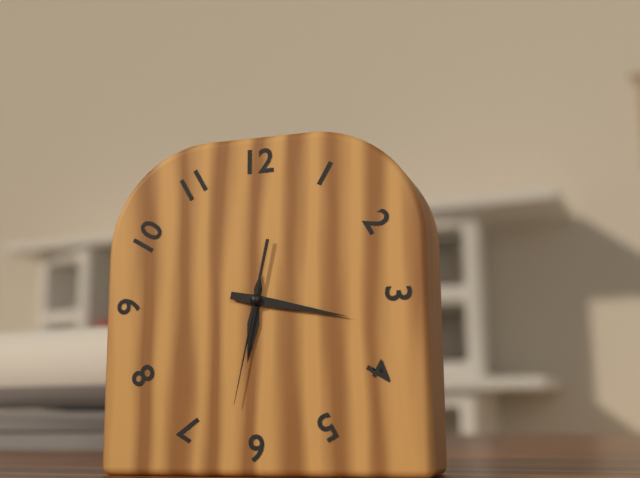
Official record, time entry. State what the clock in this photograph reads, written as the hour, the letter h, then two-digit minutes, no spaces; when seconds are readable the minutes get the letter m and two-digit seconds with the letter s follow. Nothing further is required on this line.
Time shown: 6h17m32s
